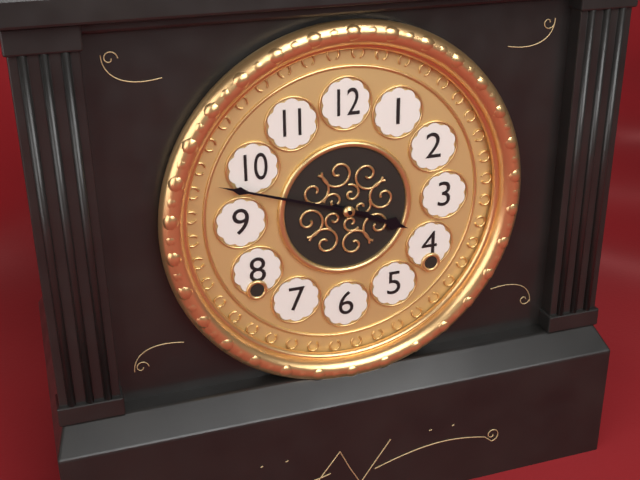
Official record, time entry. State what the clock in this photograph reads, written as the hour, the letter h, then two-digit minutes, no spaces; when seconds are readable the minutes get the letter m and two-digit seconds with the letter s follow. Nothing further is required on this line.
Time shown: 3h48
